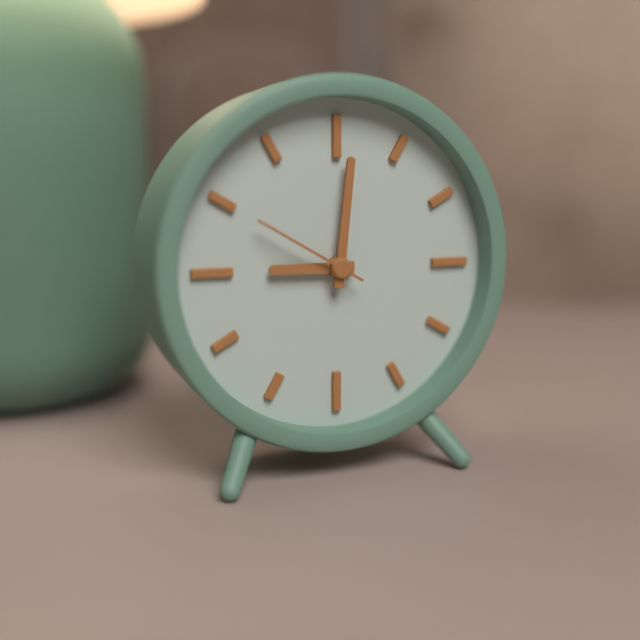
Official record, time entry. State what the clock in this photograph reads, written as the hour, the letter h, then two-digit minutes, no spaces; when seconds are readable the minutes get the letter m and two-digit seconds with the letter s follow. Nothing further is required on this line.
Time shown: 9h01m50s
